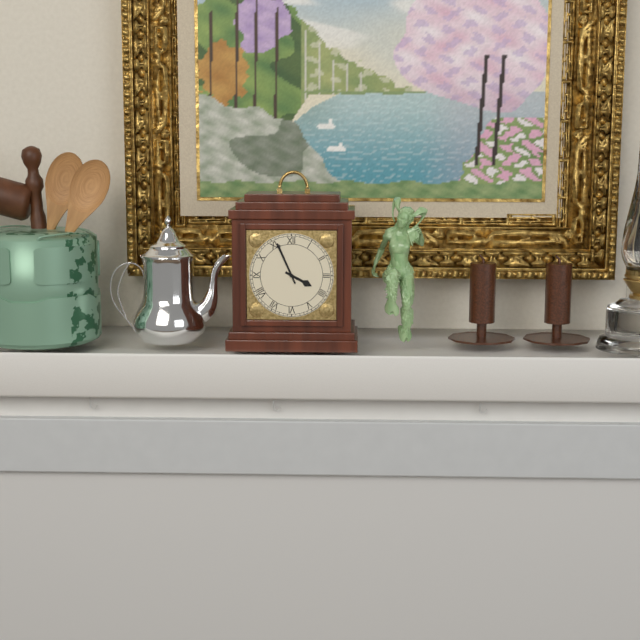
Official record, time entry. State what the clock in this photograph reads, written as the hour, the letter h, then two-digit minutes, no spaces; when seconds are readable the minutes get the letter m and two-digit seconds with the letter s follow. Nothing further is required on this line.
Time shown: 3h56
